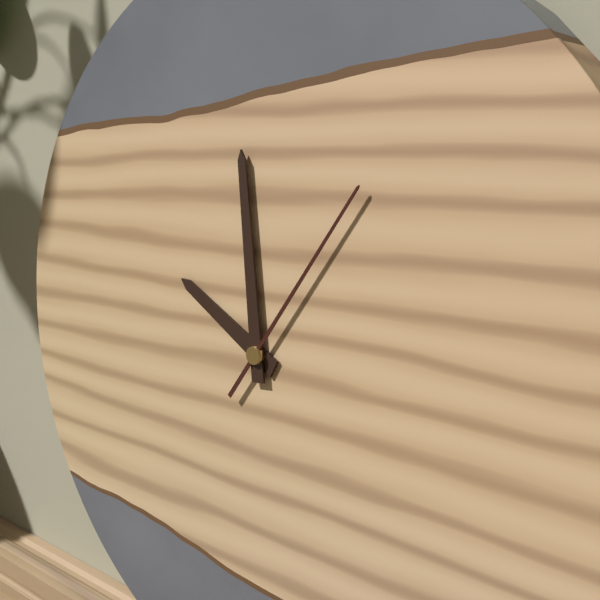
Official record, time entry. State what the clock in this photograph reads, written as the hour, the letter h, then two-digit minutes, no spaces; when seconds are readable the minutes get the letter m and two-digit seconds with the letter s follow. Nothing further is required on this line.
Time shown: 9h59m06s
